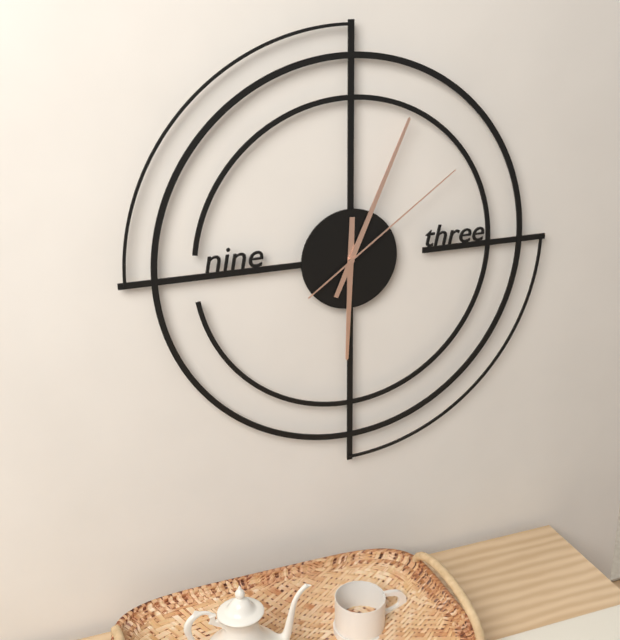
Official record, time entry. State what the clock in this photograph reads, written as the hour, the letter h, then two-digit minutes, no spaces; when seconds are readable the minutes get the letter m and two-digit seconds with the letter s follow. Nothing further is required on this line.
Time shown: 6h04m09s
